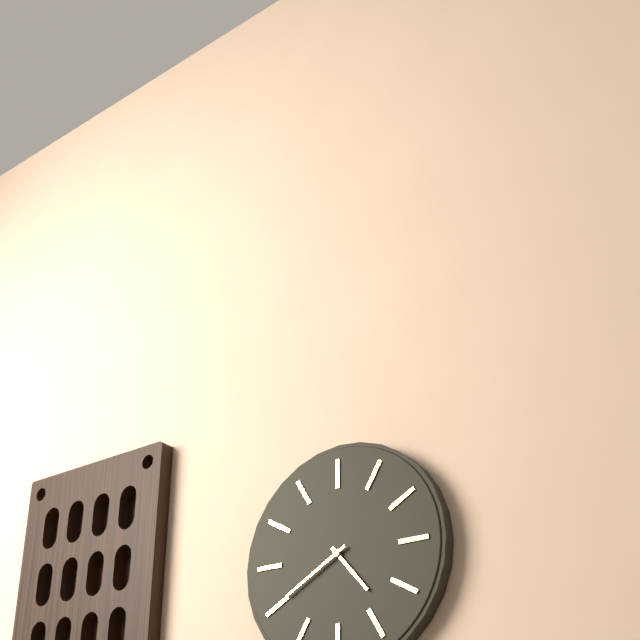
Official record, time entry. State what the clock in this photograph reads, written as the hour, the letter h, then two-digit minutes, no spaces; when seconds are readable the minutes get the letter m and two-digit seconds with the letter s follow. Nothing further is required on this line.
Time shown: 4h40
